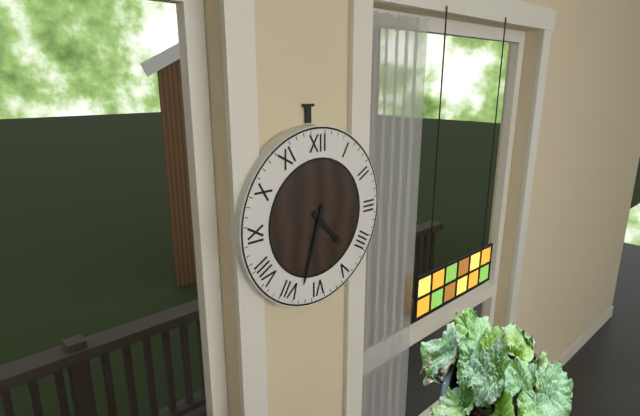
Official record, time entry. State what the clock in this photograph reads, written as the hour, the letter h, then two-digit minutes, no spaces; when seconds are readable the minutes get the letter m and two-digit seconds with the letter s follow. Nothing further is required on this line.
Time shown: 4h33
